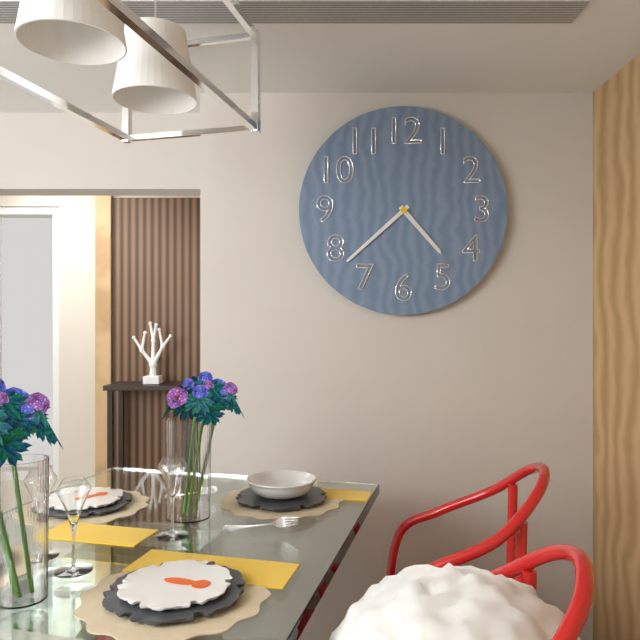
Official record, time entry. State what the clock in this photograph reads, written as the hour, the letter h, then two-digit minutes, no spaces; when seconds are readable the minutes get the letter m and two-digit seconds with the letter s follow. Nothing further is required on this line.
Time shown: 4h38
